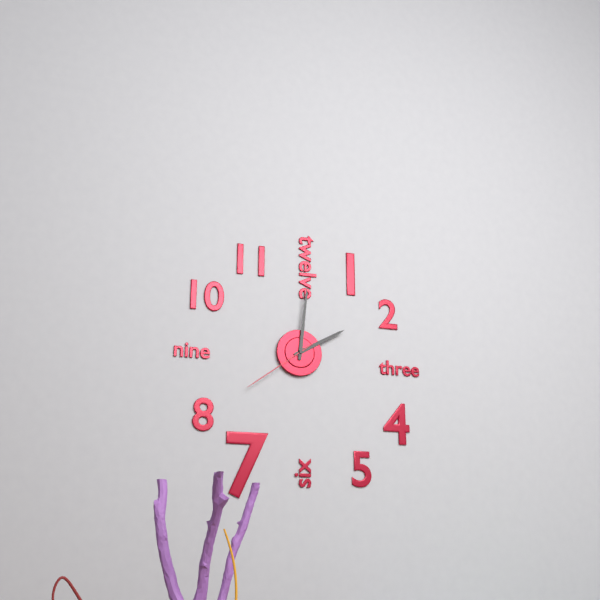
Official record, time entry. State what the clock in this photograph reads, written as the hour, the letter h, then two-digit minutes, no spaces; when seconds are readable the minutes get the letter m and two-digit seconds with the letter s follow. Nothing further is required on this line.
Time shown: 2h01m39s
